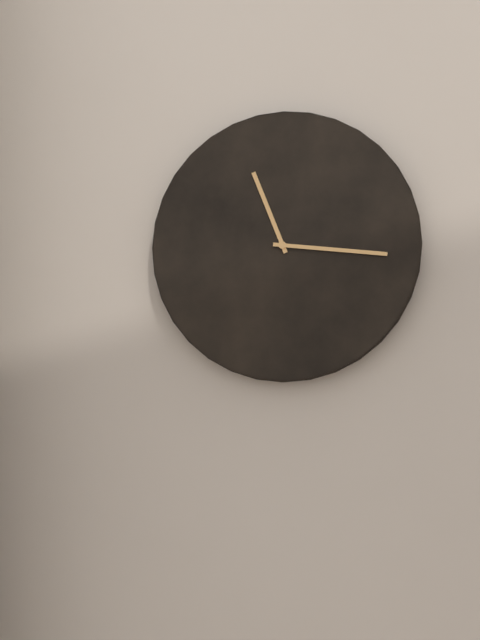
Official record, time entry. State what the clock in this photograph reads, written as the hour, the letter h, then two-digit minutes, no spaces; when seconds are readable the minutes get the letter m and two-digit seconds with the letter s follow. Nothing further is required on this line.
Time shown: 11h16
